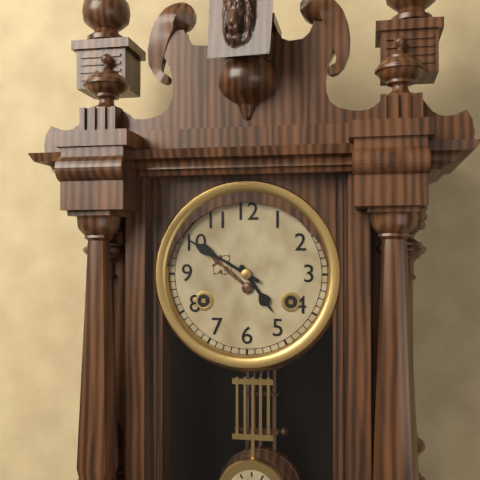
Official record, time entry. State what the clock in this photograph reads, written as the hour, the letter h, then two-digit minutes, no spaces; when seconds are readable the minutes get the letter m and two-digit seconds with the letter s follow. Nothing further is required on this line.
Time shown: 4h50
